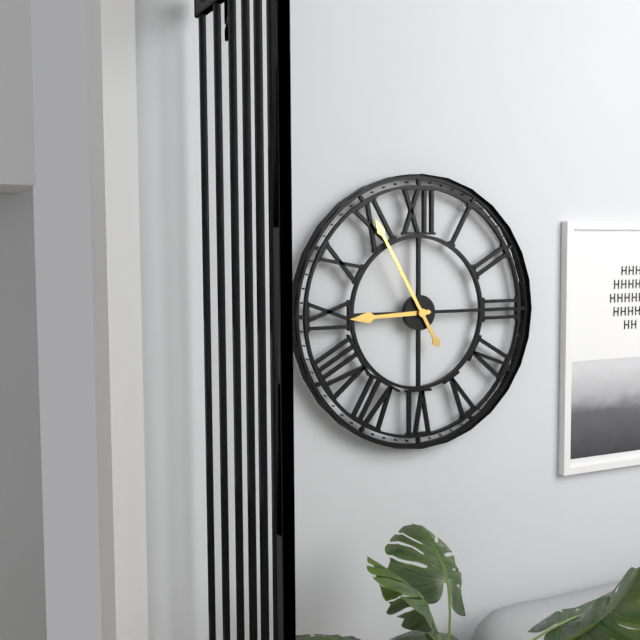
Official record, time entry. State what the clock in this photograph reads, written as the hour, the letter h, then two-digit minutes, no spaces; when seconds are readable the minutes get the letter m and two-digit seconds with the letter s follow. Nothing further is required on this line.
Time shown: 8h55
